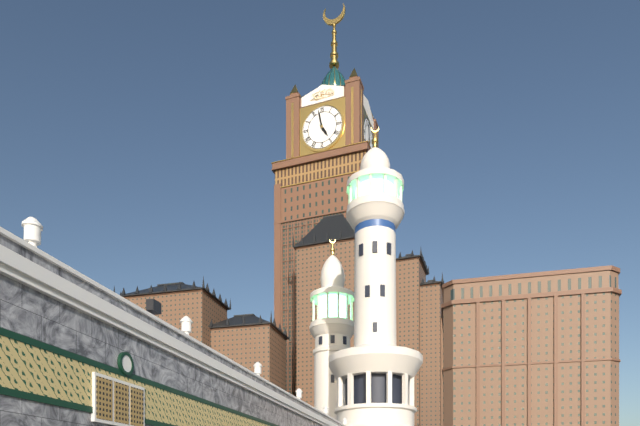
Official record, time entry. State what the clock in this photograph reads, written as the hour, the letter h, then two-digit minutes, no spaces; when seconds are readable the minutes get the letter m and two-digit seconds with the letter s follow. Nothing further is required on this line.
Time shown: 4h58
